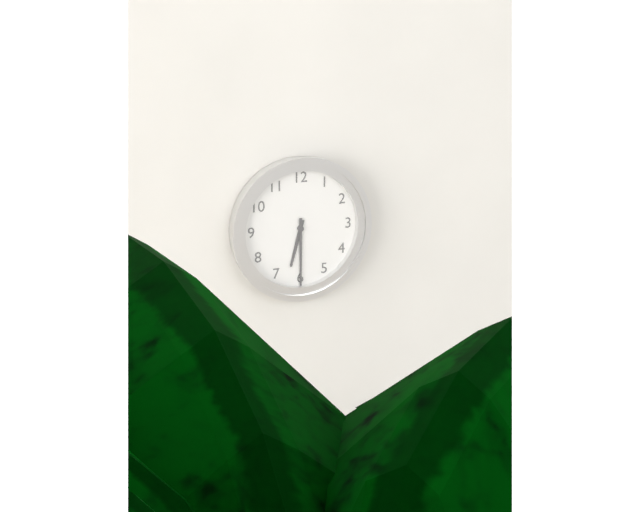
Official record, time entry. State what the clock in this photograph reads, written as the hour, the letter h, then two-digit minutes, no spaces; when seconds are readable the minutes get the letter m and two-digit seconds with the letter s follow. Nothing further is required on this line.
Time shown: 6h30
